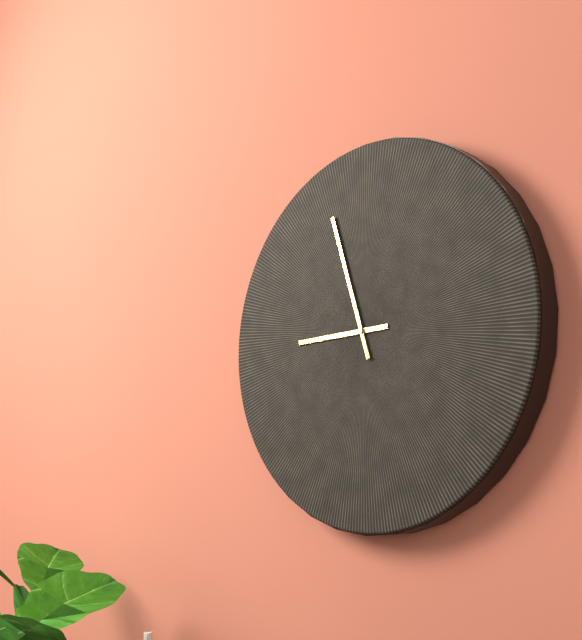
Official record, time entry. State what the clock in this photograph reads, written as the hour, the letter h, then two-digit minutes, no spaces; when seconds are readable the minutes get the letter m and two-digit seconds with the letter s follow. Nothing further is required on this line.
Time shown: 8h57
